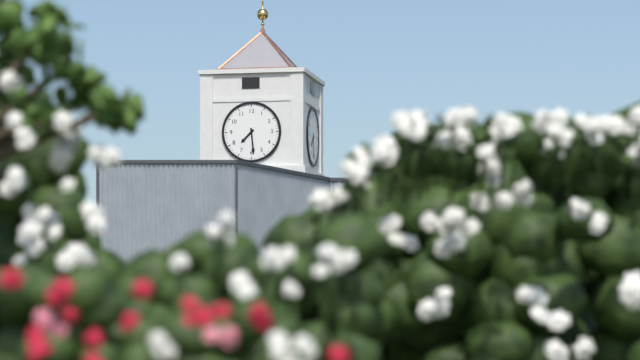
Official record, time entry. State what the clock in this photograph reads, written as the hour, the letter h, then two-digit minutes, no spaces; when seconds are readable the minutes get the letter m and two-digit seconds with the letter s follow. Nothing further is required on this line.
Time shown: 7h29
